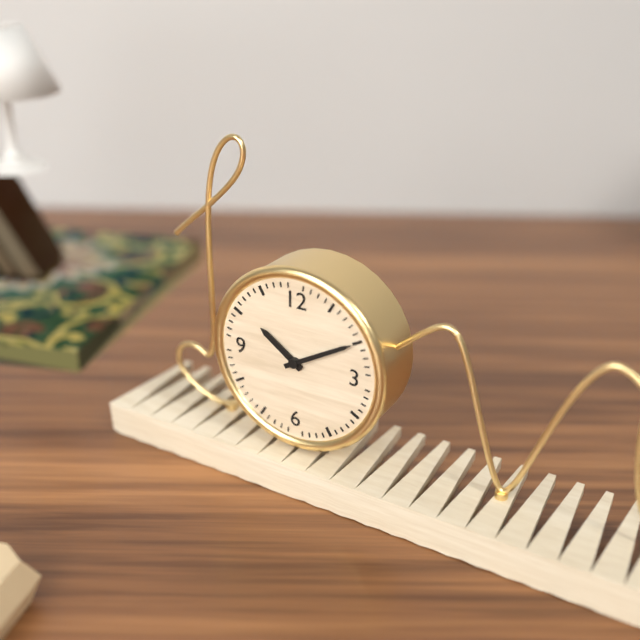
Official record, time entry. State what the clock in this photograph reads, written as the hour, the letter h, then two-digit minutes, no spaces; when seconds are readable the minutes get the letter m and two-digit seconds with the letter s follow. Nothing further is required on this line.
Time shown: 10h10
